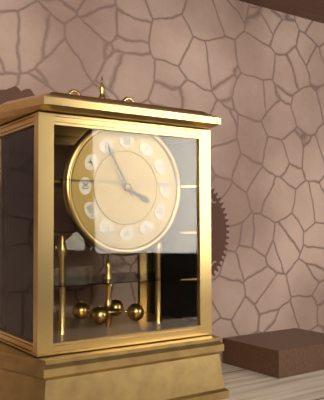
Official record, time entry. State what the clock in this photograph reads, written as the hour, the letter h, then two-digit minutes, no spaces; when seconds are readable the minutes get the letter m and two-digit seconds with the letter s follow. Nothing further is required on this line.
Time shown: 3h55
